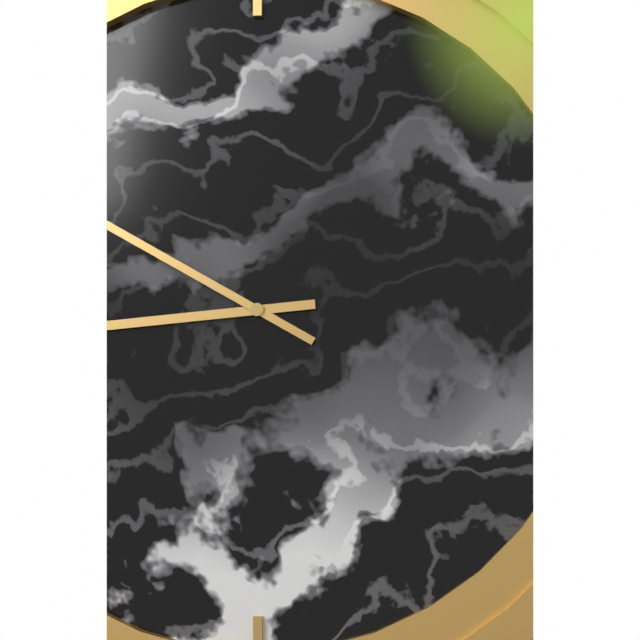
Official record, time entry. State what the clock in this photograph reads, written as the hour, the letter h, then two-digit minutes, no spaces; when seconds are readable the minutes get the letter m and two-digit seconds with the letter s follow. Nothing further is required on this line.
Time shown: 8h50
